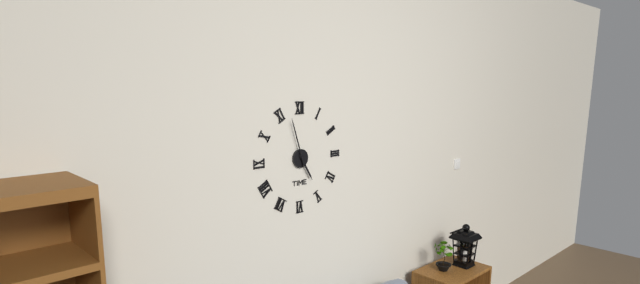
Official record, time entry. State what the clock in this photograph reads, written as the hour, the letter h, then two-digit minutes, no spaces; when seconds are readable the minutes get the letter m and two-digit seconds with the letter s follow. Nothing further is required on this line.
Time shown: 4h57
